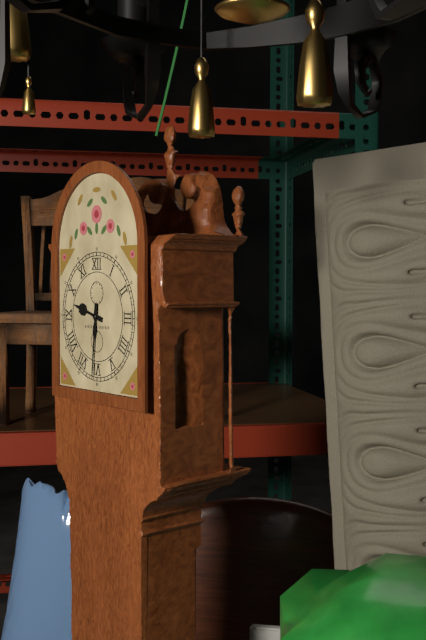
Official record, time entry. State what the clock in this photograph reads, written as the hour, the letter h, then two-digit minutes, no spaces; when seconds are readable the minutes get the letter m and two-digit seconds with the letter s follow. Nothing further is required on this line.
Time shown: 9h31
